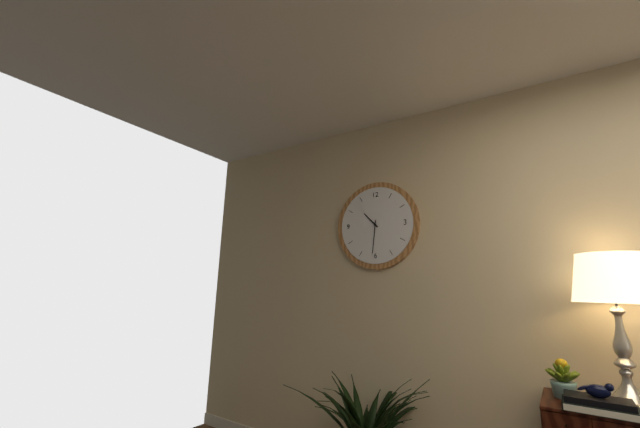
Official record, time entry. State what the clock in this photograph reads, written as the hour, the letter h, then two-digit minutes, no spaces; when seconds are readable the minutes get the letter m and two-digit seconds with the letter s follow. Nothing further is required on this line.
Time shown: 10h31
